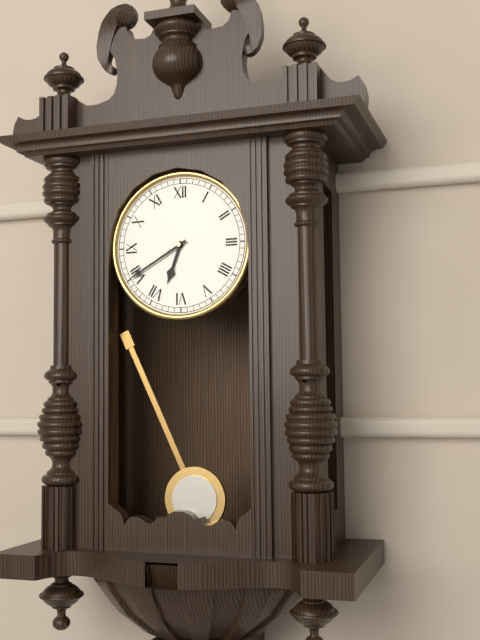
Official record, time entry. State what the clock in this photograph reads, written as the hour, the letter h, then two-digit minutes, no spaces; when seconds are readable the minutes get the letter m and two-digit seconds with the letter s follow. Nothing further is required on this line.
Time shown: 6h40
